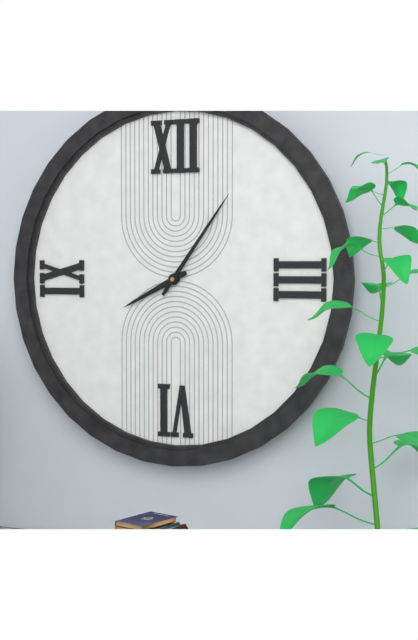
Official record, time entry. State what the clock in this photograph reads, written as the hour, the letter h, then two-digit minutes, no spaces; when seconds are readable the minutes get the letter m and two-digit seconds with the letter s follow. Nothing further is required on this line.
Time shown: 8h06
